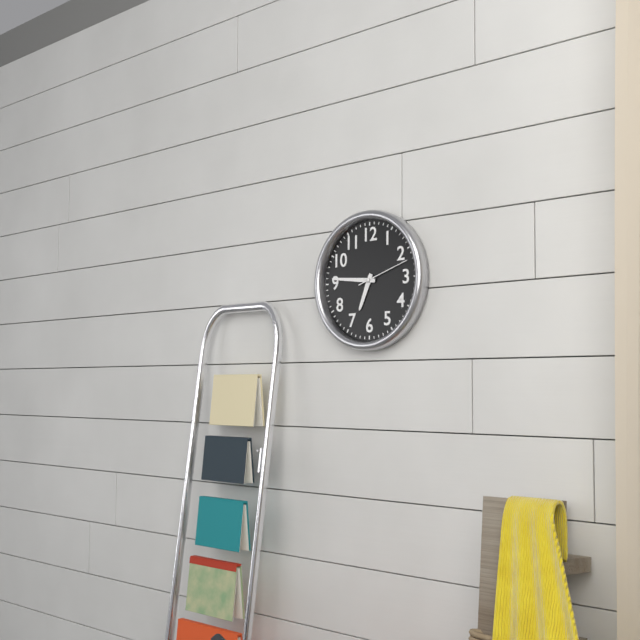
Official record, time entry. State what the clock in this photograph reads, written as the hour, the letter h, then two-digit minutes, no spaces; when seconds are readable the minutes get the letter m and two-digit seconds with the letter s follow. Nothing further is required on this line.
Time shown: 6h46m12s
